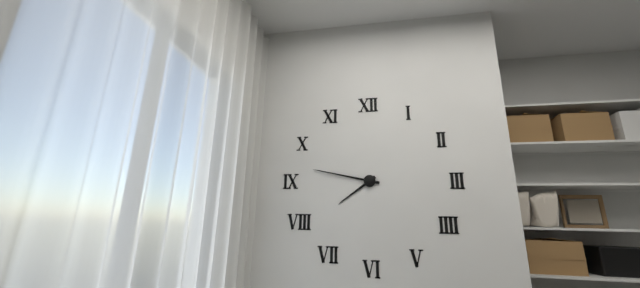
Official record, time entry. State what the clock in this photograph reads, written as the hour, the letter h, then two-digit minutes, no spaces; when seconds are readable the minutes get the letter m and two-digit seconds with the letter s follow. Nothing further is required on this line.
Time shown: 7h47
